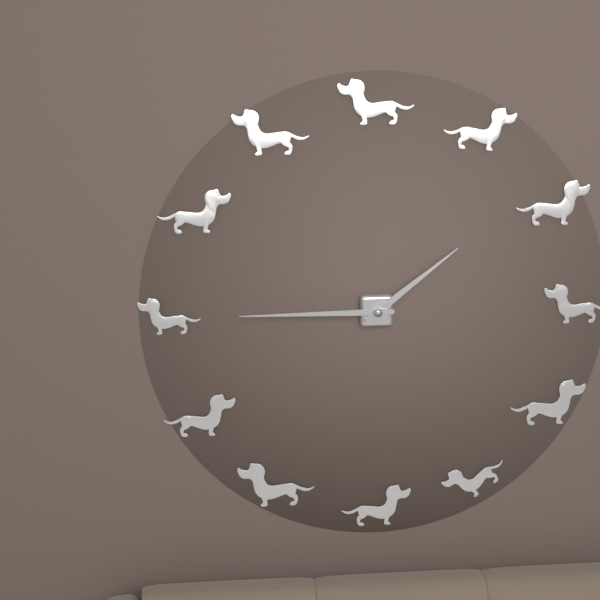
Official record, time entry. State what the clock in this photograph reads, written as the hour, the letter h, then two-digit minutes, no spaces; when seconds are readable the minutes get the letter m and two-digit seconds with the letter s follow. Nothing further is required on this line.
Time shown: 1h45
